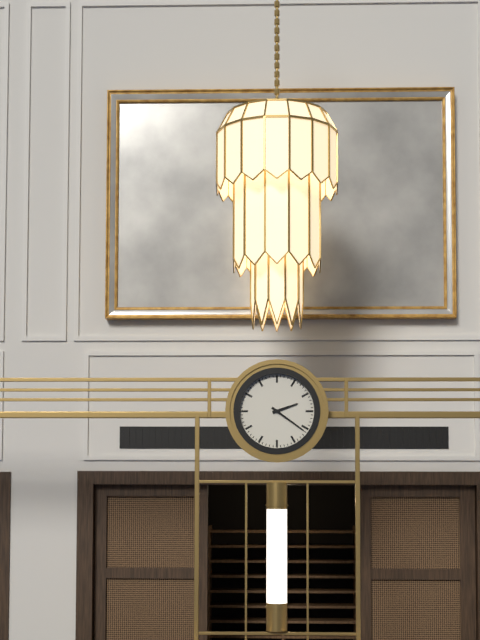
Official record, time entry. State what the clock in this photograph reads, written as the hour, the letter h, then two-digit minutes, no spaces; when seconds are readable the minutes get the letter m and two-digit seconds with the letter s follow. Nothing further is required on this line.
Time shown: 2h21
